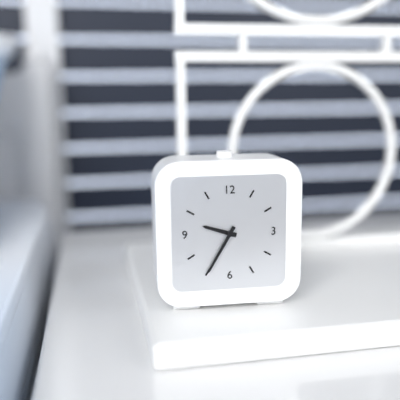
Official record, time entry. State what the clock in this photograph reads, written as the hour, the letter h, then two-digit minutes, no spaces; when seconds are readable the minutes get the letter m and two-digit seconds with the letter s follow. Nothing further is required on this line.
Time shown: 9h35
